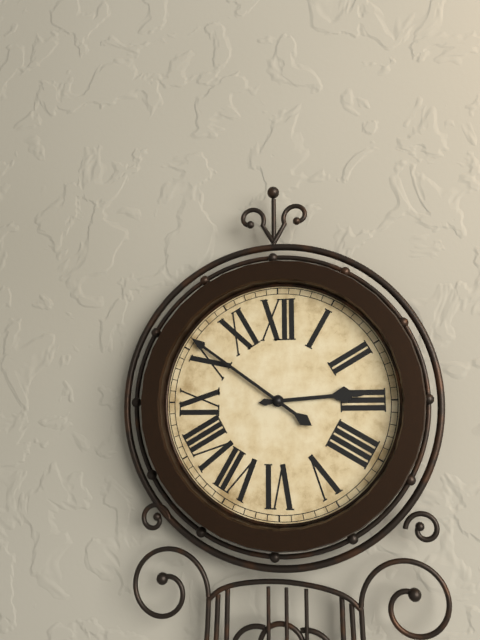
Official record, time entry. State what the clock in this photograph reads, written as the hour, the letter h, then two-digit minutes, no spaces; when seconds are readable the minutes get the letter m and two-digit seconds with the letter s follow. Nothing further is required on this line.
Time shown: 2h51
